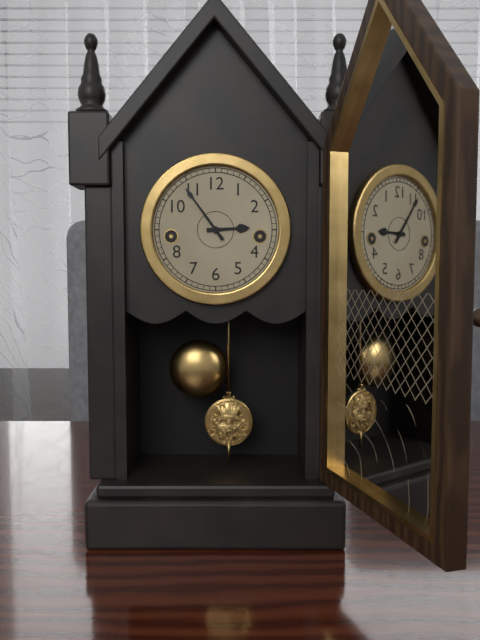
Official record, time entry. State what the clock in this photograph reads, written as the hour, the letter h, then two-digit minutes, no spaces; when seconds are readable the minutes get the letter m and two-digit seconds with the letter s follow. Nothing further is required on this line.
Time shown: 2h54
